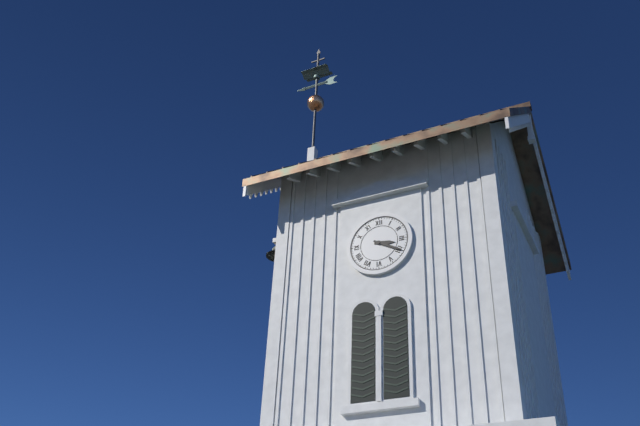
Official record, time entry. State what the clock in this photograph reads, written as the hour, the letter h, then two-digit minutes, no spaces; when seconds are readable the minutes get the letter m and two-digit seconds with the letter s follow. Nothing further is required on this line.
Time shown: 3h20
